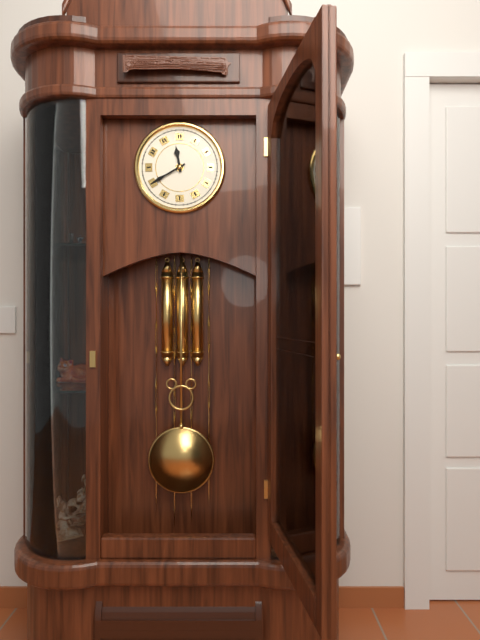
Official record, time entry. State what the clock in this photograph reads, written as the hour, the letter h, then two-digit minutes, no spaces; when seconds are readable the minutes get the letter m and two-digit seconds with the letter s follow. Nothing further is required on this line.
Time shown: 11h40
